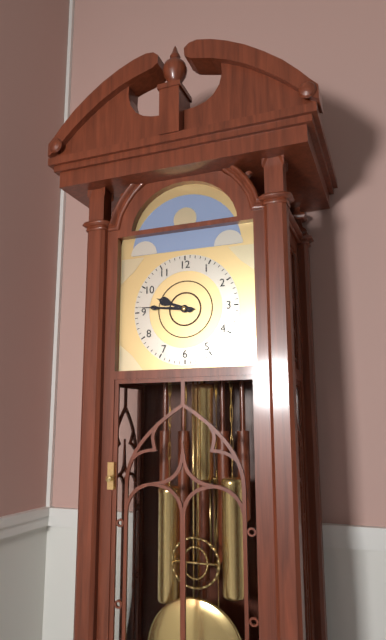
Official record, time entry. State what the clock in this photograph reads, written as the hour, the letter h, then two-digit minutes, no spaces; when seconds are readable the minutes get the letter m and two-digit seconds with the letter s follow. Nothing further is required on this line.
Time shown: 9h46
